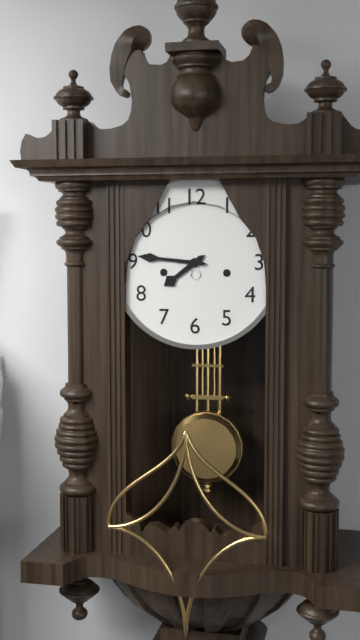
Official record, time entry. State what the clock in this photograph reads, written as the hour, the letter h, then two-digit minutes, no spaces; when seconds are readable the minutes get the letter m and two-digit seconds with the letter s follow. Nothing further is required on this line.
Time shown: 7h46
